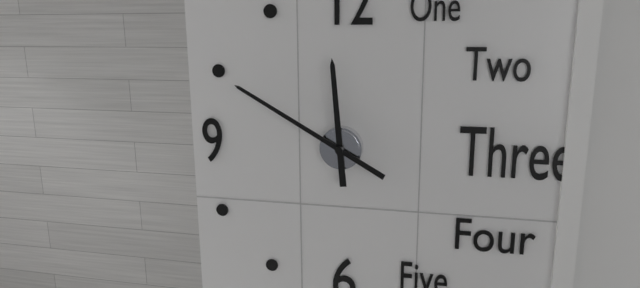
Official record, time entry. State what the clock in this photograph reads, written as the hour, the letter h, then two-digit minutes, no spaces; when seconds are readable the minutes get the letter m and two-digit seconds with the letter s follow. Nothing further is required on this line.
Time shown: 11h50
